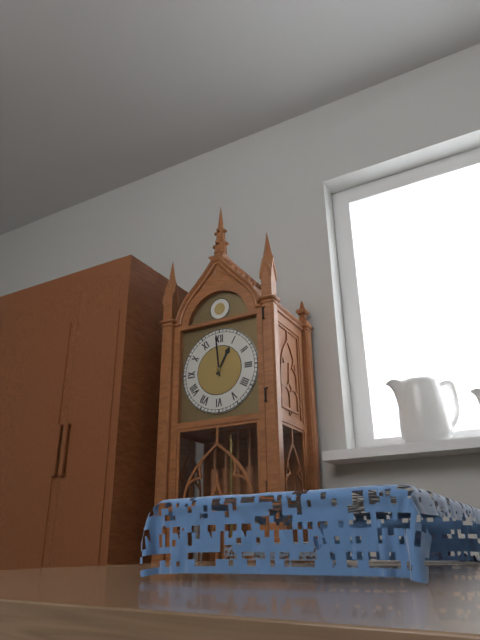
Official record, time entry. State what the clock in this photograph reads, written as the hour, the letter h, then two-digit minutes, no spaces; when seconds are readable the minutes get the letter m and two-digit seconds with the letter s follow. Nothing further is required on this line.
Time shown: 12h59
